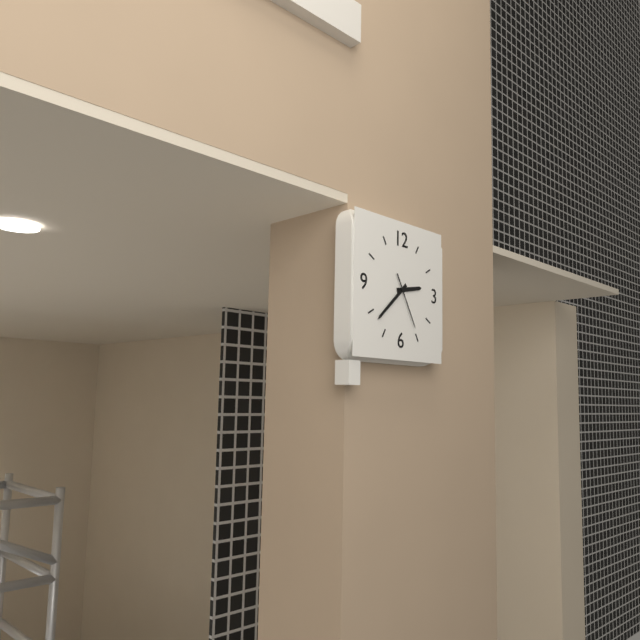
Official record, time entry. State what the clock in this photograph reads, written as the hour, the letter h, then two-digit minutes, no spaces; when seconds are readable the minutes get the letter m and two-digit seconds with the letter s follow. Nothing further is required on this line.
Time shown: 2h38m25s
